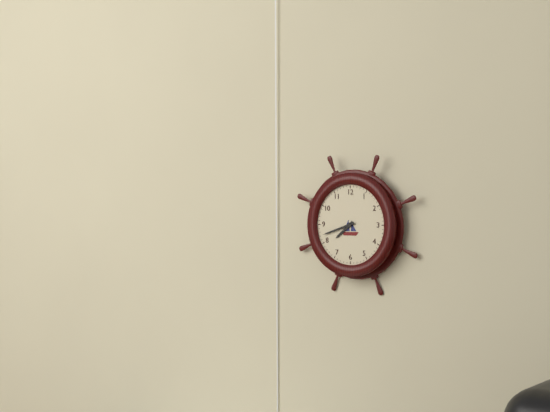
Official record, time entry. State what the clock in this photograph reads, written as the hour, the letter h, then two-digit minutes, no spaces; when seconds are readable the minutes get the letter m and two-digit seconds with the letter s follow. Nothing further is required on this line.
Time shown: 7h42
